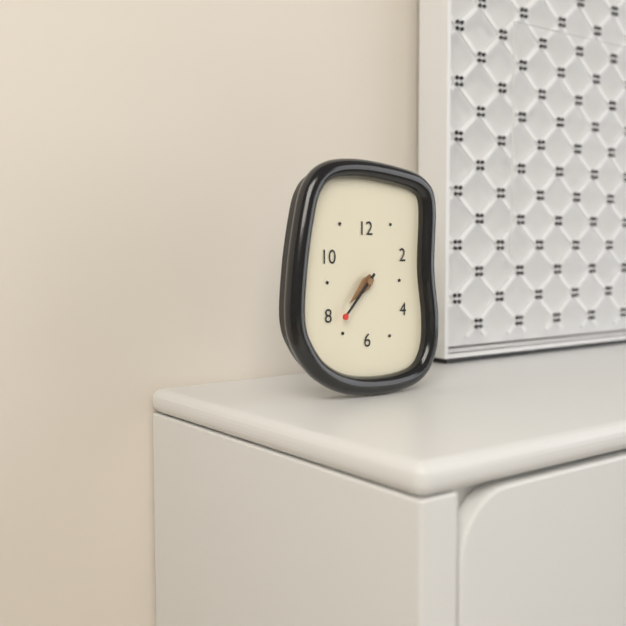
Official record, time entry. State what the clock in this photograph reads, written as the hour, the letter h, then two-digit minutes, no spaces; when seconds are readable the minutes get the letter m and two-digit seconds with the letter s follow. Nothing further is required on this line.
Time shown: 7h37
